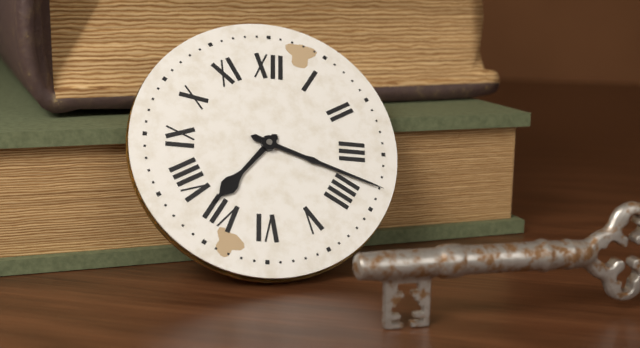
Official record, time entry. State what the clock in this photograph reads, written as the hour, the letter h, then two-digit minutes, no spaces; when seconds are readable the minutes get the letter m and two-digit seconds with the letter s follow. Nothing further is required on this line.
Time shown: 7h18
